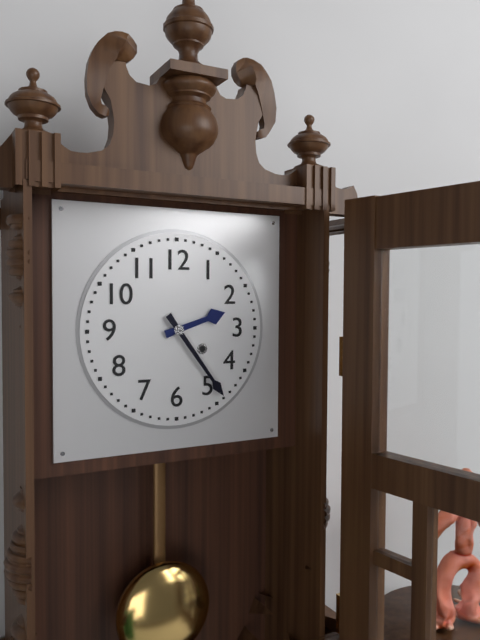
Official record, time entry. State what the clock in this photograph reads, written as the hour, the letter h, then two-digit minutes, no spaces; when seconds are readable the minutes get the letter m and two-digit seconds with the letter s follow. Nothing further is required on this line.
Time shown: 2h24
